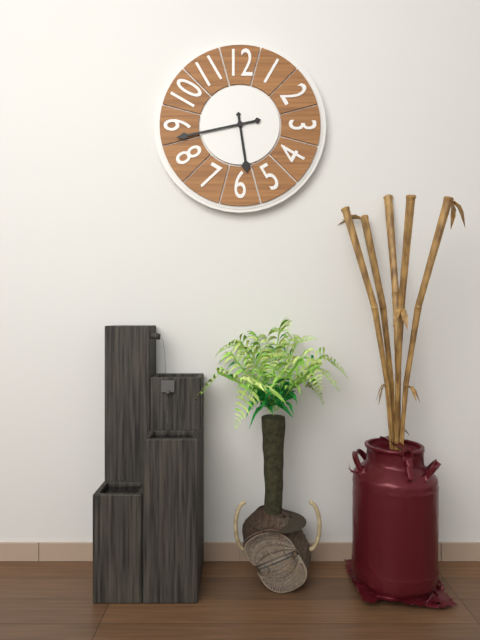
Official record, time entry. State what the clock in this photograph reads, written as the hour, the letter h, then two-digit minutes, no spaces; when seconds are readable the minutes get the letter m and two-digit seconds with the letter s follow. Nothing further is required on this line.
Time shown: 5h43
